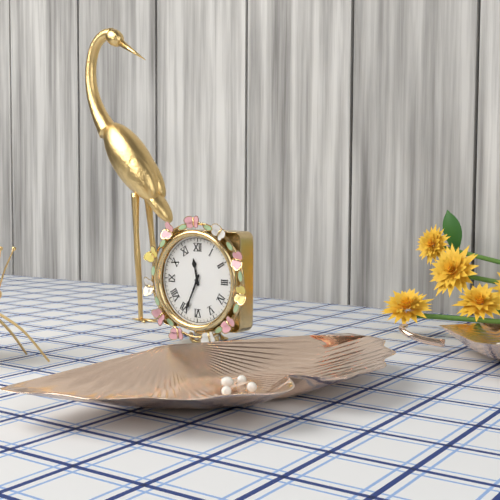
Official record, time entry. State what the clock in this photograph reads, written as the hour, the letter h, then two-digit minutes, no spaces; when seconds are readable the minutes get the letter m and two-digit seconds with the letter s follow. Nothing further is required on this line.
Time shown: 11h34
